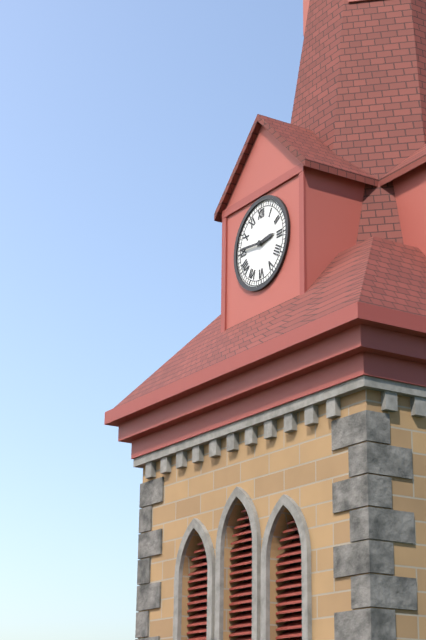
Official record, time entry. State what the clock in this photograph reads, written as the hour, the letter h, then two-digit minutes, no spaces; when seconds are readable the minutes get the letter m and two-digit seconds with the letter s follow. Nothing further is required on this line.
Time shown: 2h46
